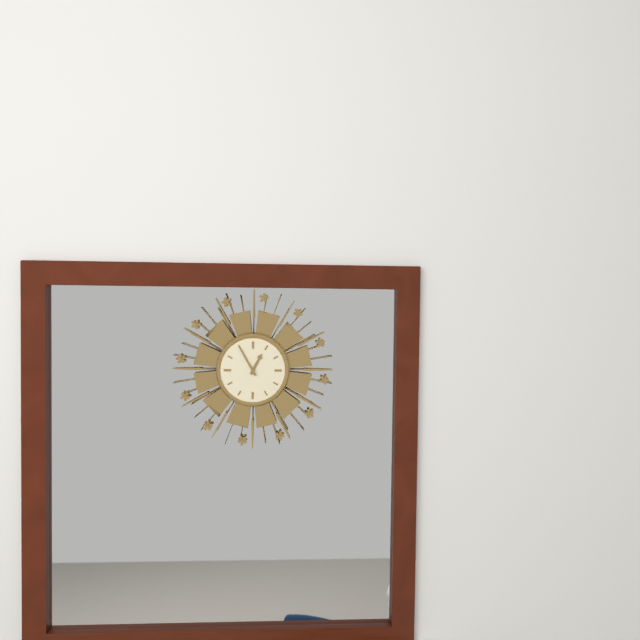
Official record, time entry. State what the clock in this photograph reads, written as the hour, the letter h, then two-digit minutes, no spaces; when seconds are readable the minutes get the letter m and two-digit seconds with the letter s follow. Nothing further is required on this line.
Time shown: 12h55
